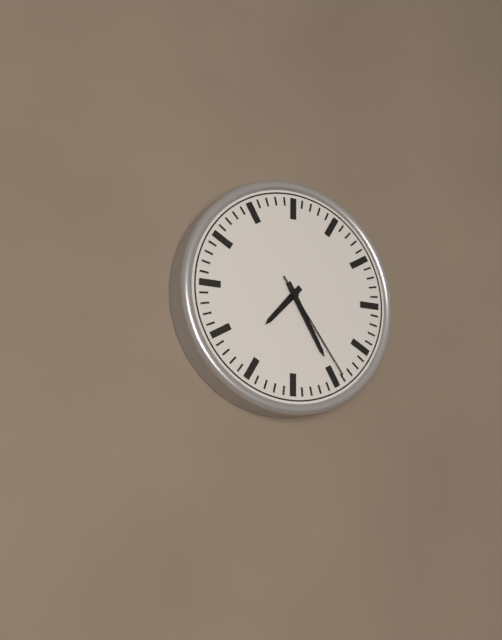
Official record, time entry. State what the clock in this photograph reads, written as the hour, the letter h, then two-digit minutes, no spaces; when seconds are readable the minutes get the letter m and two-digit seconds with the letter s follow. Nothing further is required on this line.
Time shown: 7h25m24s
